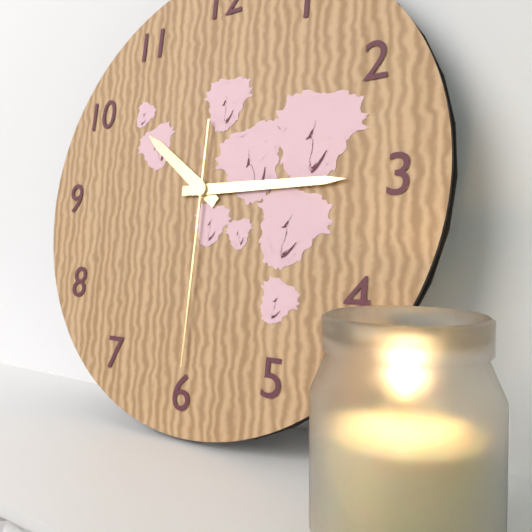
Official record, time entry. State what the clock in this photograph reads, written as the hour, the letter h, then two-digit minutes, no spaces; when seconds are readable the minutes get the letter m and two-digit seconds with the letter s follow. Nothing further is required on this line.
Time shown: 10h15m30s
